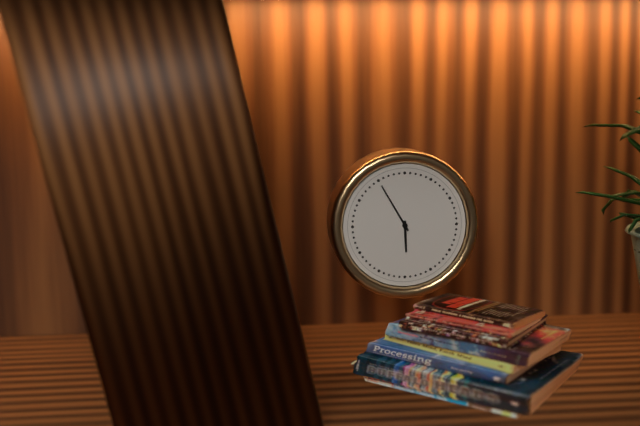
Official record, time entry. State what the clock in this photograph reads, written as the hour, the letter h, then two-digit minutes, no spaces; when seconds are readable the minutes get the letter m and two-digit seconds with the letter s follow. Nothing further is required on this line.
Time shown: 5h55
